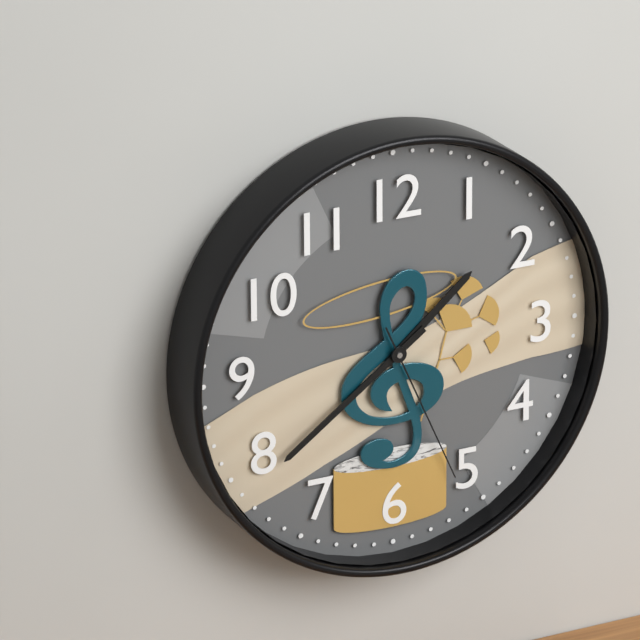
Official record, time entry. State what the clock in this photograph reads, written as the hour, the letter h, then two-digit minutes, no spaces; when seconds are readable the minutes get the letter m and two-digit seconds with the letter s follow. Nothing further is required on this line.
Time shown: 1h39m26s
